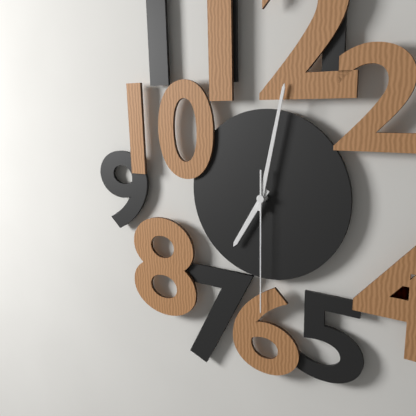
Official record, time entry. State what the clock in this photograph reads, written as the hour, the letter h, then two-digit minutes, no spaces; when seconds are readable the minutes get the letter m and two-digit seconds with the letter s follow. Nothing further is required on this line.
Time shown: 7h02m30s
